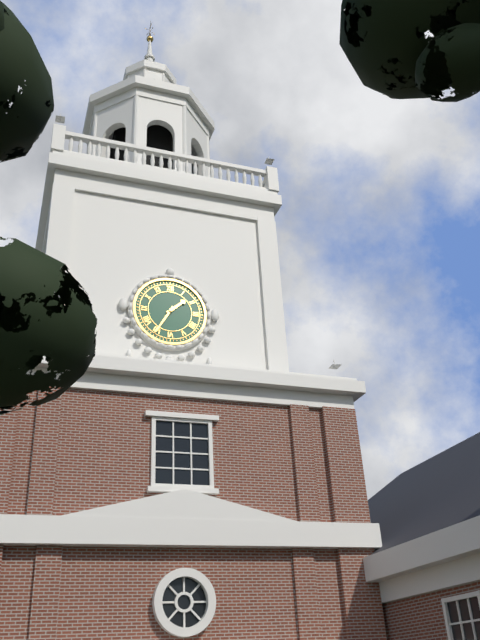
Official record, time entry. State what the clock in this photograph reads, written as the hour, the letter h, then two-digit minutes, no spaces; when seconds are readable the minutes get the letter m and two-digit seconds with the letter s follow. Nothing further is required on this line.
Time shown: 1h35
